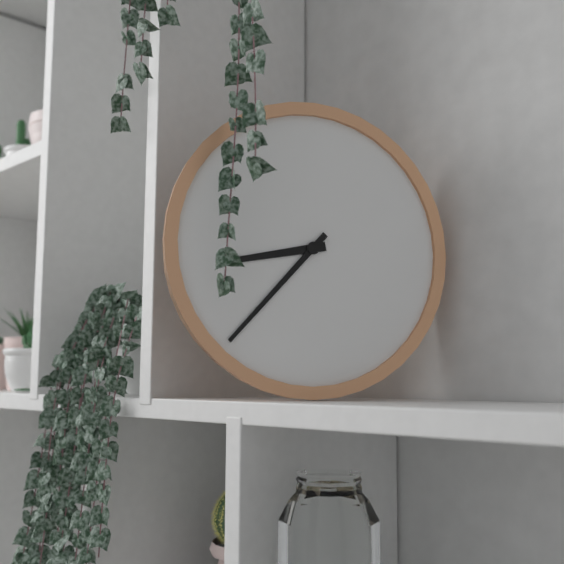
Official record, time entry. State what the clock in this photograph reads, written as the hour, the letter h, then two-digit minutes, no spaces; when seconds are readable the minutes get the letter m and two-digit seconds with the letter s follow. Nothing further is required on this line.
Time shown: 8h37
